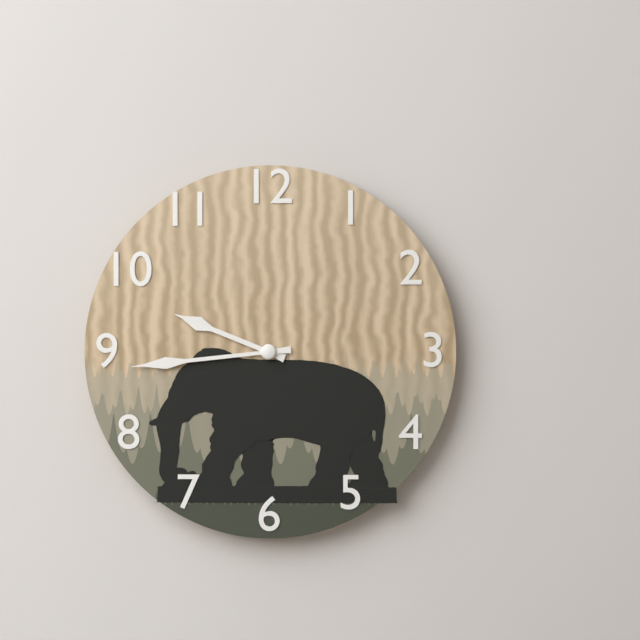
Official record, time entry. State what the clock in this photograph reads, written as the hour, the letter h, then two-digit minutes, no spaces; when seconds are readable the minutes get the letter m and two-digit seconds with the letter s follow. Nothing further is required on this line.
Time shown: 9h44
